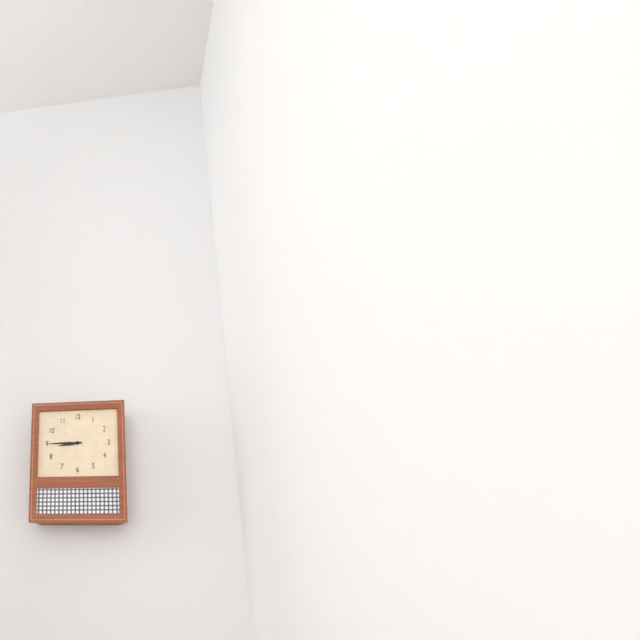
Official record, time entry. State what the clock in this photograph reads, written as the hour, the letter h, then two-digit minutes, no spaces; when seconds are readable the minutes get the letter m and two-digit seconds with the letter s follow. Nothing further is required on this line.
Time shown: 8h45
